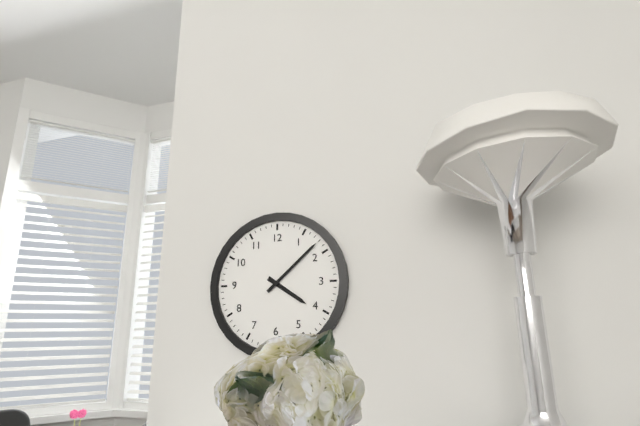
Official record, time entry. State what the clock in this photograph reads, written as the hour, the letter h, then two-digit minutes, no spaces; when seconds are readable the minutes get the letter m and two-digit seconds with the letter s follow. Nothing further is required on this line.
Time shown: 4h08
